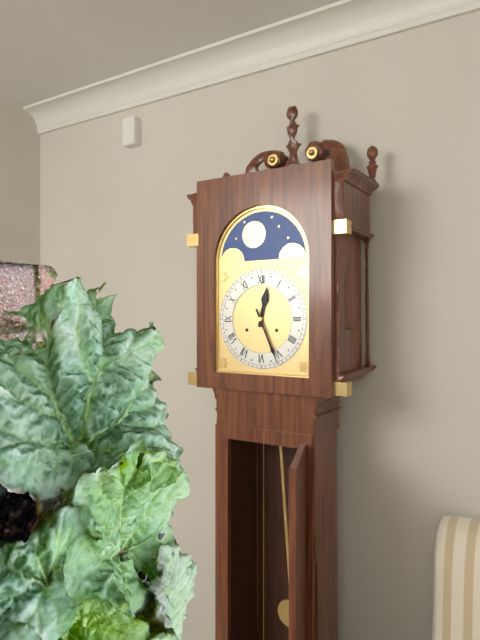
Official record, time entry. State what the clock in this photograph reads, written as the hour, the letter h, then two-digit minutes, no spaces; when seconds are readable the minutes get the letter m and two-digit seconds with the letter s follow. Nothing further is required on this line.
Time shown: 12h26
